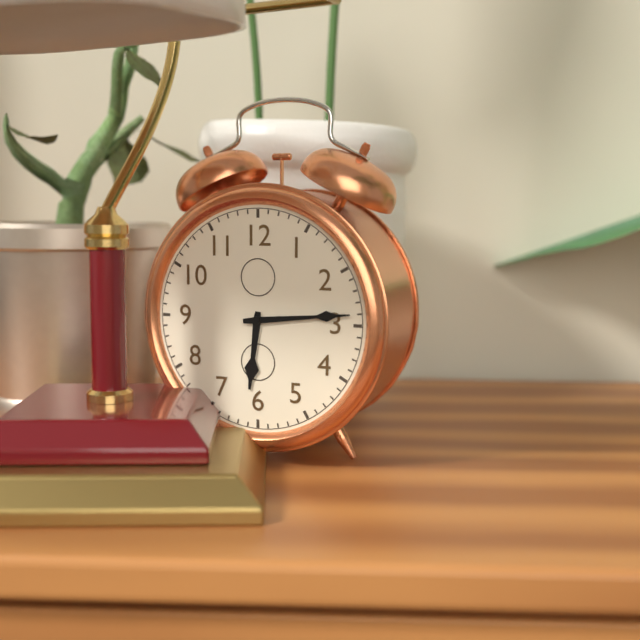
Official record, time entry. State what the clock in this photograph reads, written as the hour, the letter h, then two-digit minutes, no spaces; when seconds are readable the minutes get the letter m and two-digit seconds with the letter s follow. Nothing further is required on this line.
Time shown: 6h14
